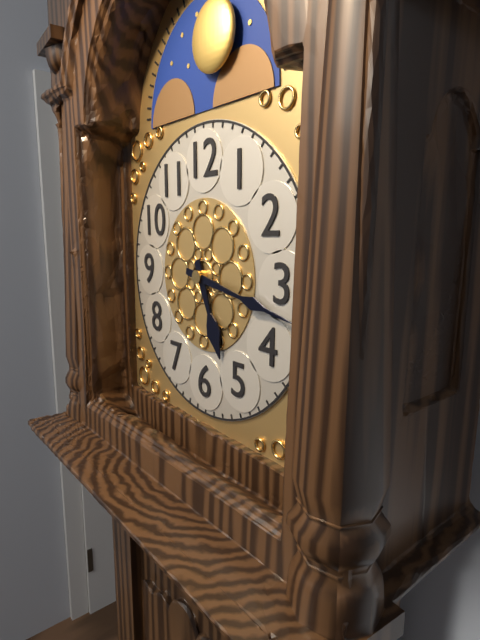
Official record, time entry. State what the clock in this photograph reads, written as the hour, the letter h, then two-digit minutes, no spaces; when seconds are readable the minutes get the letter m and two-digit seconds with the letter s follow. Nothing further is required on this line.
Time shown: 5h17
